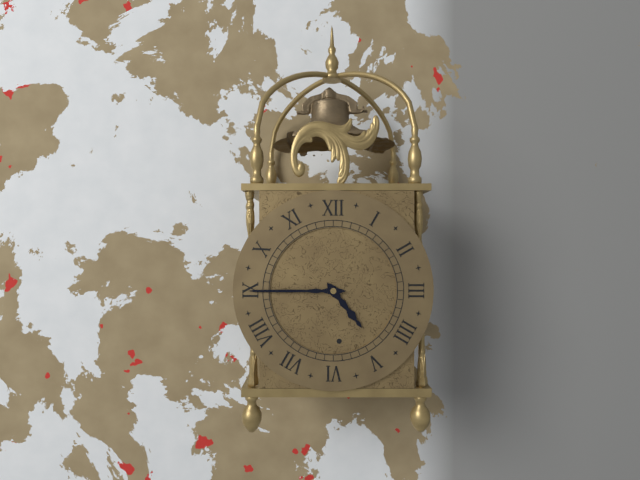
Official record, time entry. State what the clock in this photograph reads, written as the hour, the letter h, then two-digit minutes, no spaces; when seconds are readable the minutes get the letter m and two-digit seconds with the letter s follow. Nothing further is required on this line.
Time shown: 4h45
